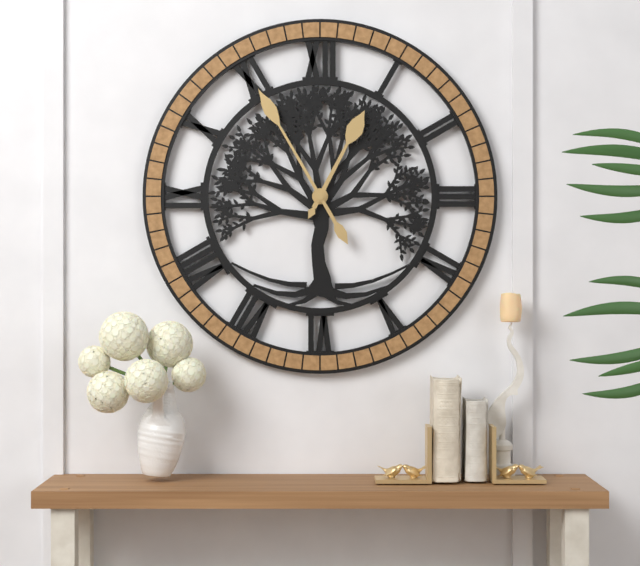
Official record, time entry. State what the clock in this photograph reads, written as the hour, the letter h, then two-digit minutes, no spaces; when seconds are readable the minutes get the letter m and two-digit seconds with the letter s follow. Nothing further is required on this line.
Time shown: 12h55
